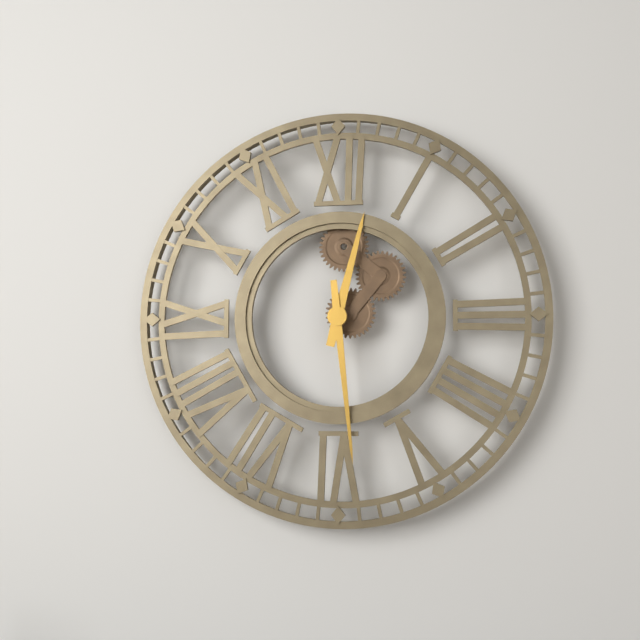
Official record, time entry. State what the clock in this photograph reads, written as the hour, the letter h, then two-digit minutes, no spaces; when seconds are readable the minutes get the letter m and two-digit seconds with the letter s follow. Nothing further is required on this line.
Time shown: 12h29
